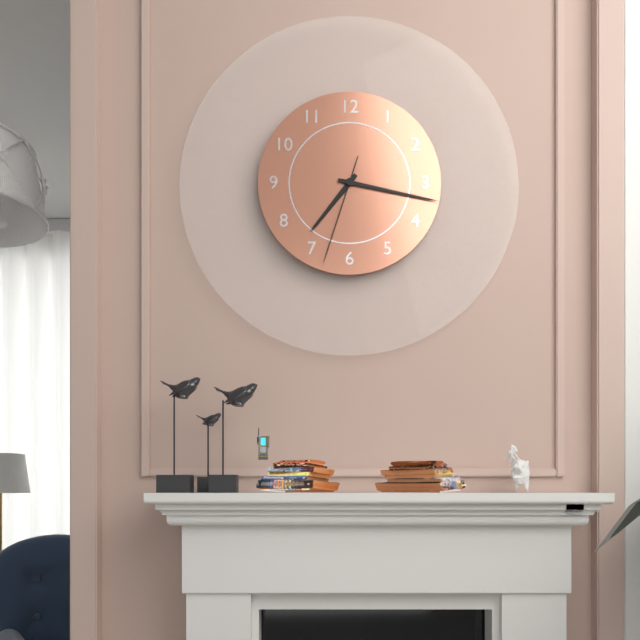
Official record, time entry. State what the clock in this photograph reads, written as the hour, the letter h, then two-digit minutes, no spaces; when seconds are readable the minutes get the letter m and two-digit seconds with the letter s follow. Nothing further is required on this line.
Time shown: 7h17m33s
